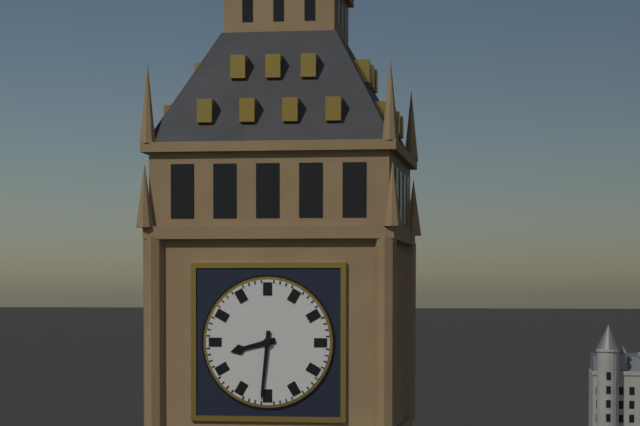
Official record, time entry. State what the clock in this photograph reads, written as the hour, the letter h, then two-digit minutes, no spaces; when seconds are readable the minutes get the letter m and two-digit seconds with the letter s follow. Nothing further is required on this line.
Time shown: 8h31
